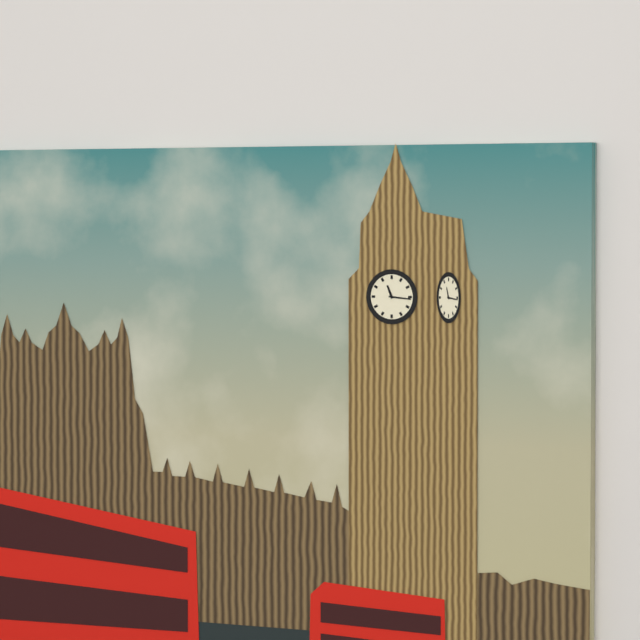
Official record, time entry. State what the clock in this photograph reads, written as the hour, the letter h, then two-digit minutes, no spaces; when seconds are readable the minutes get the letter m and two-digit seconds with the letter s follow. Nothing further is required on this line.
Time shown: 11h16
